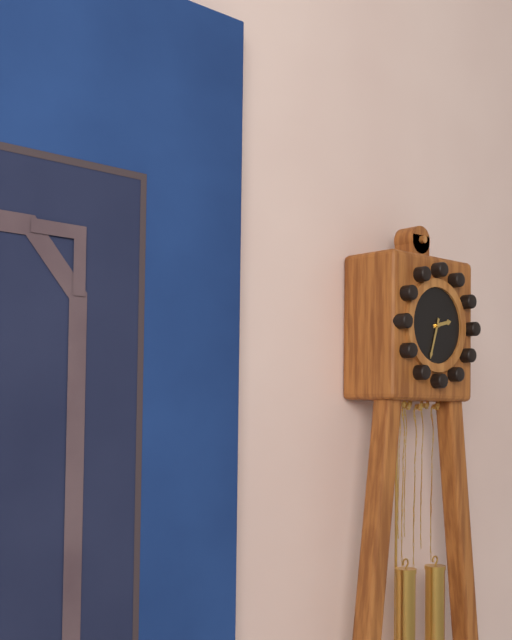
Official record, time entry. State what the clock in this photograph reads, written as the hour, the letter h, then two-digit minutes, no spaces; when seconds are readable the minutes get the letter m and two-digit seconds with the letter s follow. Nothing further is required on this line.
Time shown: 2h33
